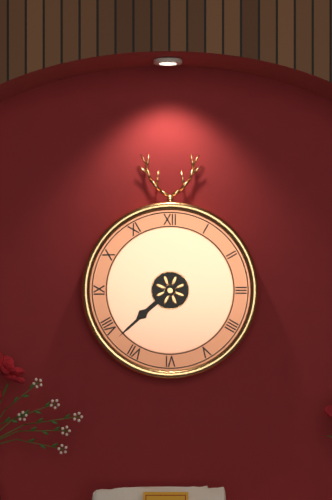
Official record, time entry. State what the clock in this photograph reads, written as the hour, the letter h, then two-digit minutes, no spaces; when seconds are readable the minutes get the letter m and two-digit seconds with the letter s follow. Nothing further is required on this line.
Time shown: 7h38
